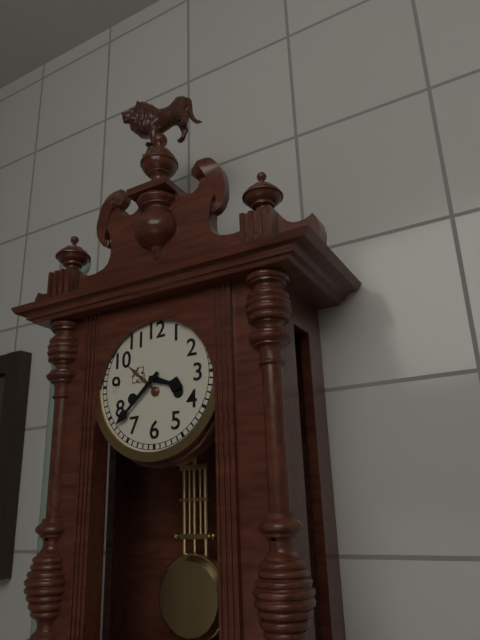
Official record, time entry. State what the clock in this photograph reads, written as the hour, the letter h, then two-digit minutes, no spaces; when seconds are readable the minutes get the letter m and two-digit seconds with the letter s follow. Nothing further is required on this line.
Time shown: 3h38
